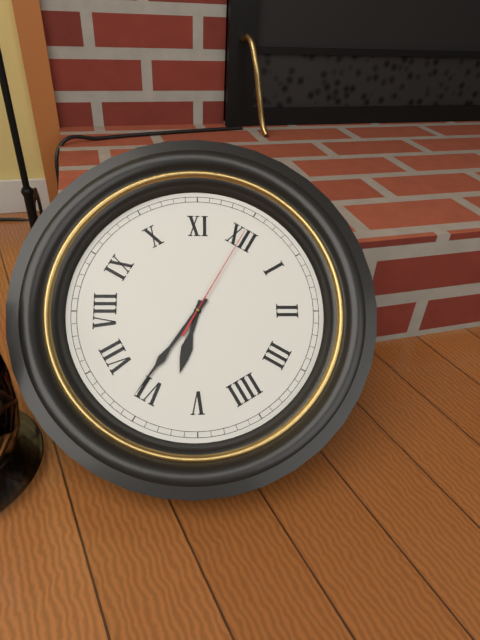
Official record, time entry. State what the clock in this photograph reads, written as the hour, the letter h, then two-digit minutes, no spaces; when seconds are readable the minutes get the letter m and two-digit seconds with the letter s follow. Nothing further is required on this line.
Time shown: 5h31m00s
